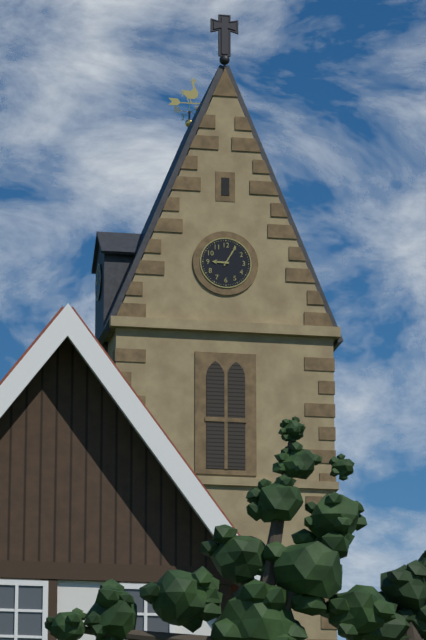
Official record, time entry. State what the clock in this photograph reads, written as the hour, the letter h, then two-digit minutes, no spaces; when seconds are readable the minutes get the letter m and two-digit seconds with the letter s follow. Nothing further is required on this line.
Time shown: 9h05
